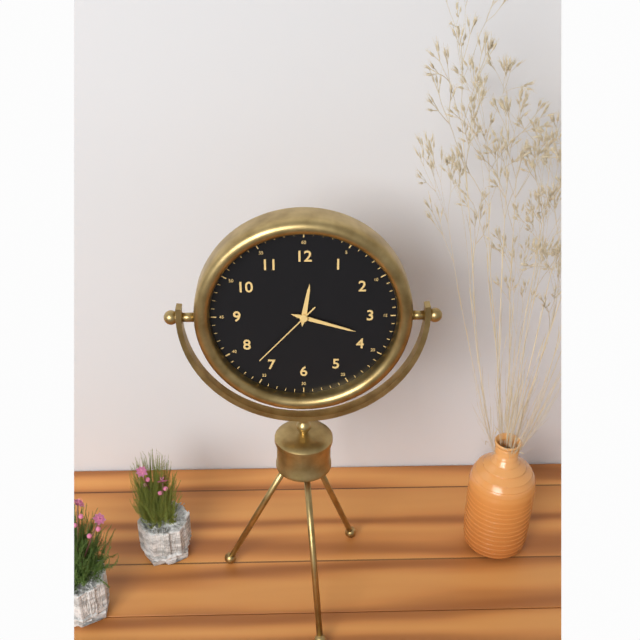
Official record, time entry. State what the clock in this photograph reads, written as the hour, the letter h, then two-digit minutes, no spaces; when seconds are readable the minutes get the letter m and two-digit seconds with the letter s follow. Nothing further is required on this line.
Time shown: 12h18m37s
